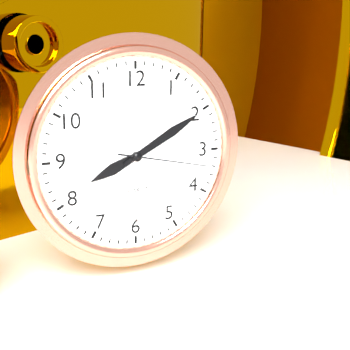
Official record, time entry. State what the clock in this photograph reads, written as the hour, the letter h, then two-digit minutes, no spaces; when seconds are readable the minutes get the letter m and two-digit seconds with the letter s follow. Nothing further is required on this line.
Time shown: 8h10m17s
